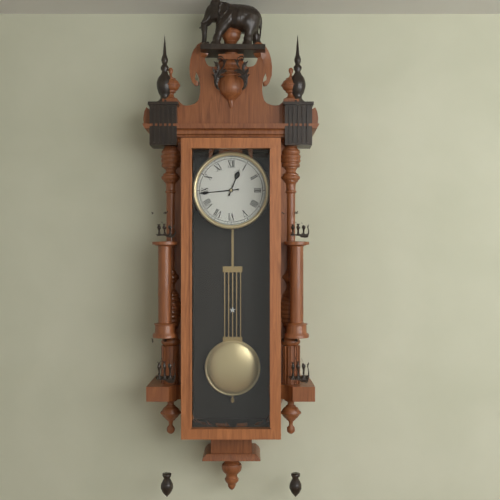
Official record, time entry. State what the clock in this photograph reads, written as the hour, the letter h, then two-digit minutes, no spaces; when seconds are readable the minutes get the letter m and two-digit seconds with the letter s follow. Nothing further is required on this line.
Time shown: 12h44
